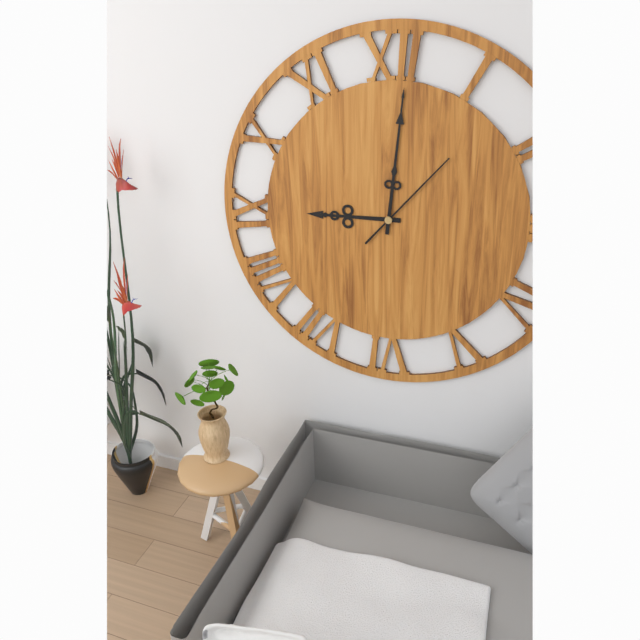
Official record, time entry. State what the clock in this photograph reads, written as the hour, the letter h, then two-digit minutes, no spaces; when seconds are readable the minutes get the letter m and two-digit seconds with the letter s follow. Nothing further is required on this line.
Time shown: 9h01m07s
